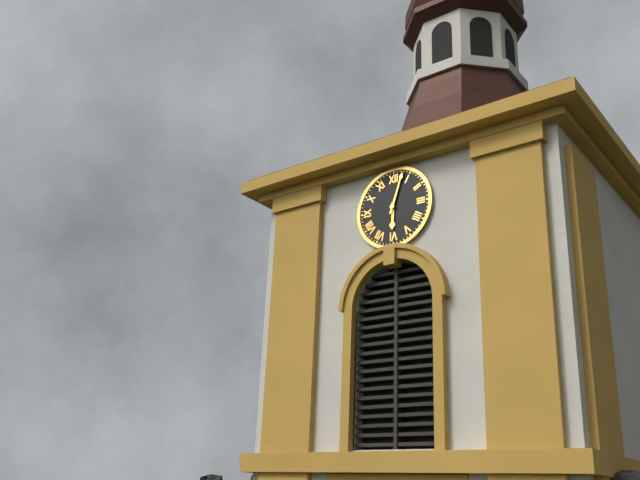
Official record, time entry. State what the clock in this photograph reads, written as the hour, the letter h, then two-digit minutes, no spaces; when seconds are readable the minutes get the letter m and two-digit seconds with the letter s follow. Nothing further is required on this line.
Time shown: 6h03
